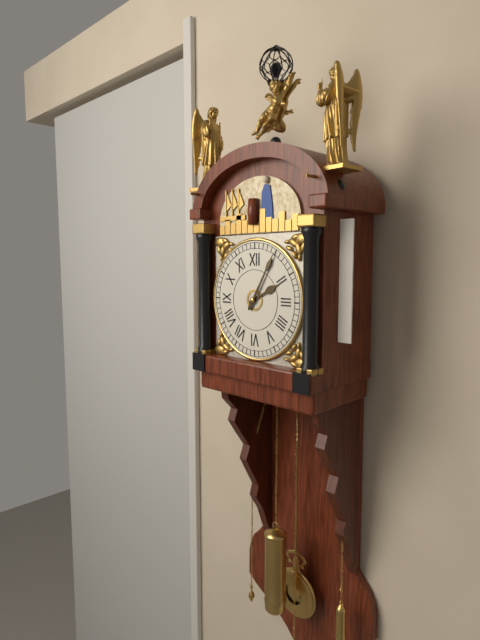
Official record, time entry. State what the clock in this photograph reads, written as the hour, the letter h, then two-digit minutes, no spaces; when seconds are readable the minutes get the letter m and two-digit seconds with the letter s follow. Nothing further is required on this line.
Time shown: 2h05
